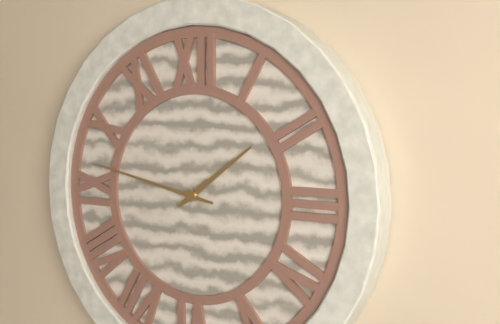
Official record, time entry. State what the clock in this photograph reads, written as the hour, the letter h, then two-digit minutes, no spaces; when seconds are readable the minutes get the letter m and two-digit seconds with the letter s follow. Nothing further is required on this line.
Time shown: 1h47
